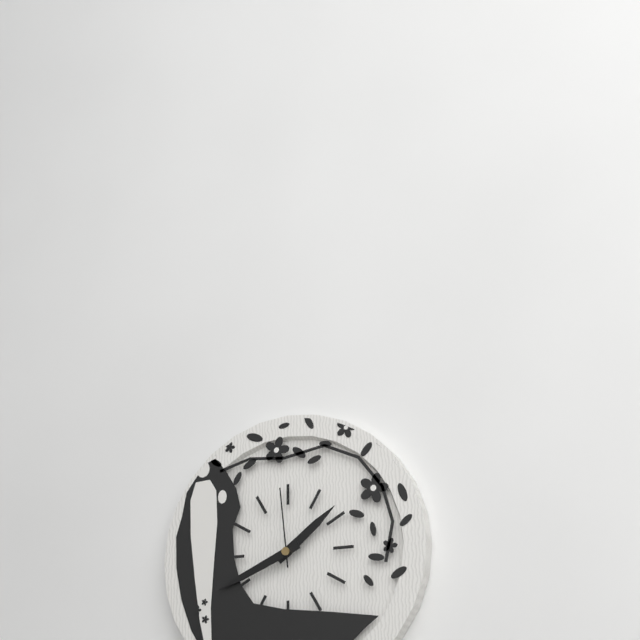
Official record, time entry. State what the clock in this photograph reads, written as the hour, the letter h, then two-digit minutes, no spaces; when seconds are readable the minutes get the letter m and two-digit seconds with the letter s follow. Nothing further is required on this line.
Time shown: 1h41m59s
